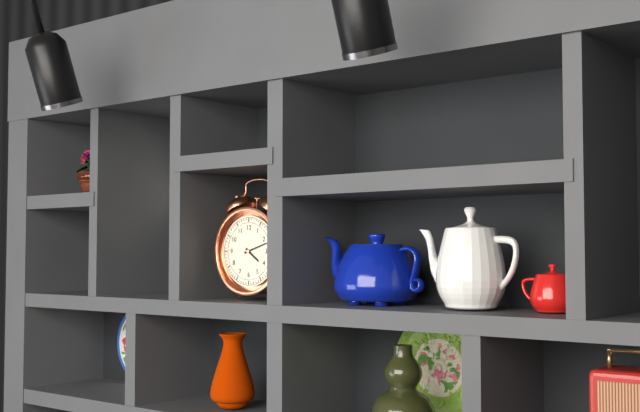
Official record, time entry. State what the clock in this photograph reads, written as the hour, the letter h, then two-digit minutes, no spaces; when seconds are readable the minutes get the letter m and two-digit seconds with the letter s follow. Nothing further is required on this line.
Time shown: 4h12
